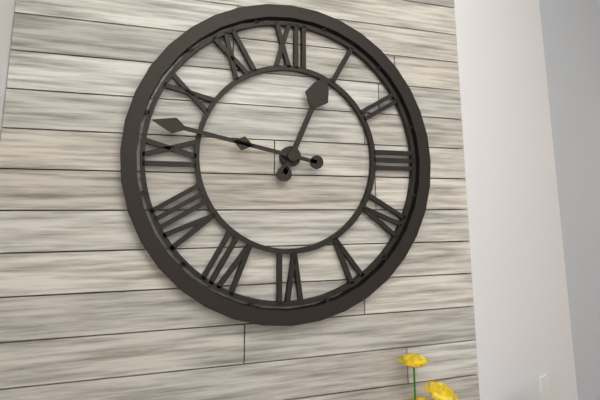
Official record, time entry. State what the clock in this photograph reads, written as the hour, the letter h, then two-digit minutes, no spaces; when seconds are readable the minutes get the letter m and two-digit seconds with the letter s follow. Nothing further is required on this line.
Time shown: 12h47
